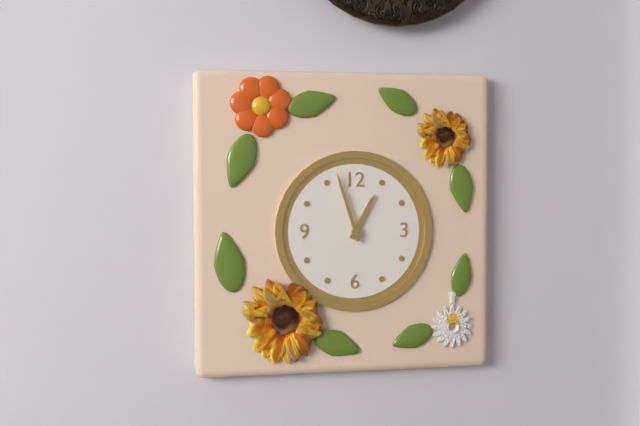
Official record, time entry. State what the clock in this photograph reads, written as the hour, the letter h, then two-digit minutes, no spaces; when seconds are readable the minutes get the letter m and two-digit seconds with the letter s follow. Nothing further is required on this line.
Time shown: 12h57
